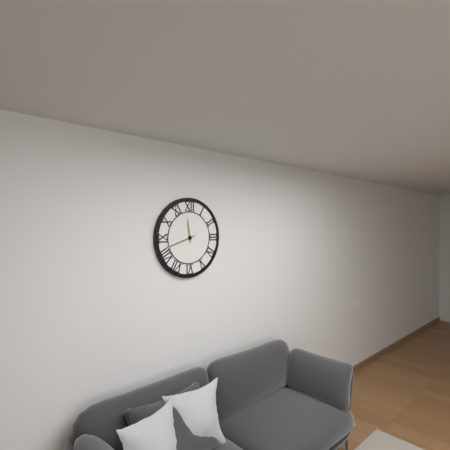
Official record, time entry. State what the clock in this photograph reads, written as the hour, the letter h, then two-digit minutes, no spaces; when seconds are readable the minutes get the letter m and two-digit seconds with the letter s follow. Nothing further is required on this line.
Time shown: 11h42
